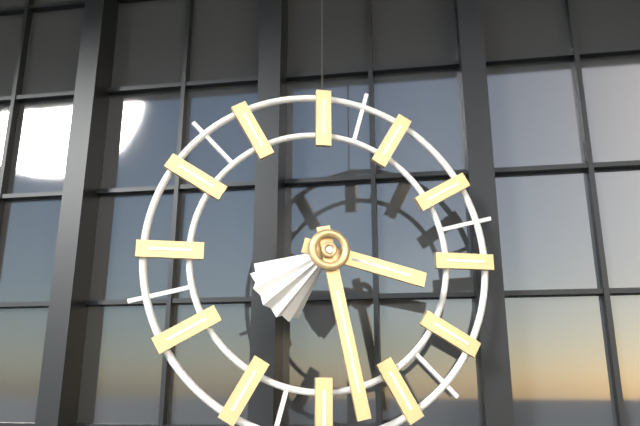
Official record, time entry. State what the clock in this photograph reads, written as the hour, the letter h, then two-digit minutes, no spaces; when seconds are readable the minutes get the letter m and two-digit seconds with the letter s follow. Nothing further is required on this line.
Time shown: 3h28
